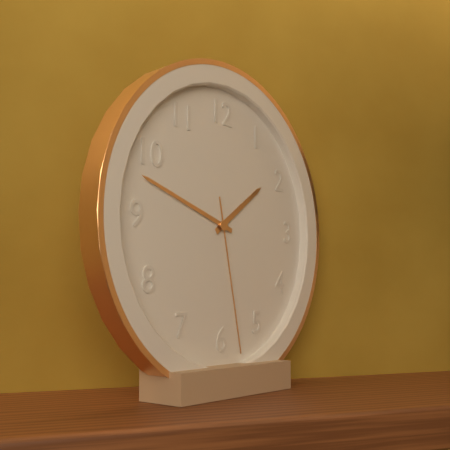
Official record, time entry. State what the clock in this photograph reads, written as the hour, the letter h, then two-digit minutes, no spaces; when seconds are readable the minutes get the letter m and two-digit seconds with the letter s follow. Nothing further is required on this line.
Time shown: 1h48m28s
